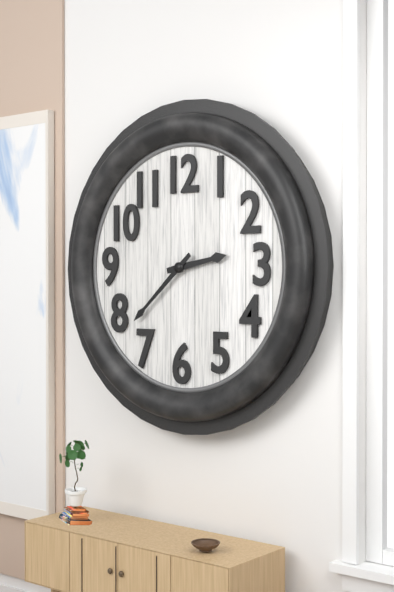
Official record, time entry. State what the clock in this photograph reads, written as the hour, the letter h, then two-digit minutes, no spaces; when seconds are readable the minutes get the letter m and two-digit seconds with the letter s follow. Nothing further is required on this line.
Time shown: 2h38
